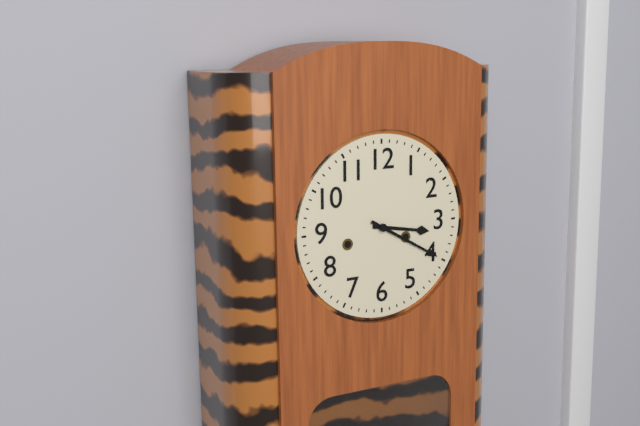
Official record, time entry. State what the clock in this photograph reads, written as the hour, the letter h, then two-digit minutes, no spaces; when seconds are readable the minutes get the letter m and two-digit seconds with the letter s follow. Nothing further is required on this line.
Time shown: 3h20
